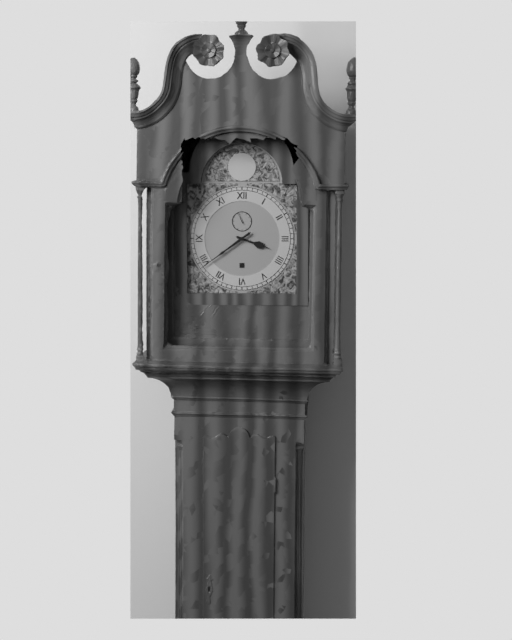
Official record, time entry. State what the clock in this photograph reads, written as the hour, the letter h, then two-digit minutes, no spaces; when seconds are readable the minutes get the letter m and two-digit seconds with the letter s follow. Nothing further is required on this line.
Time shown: 3h39
